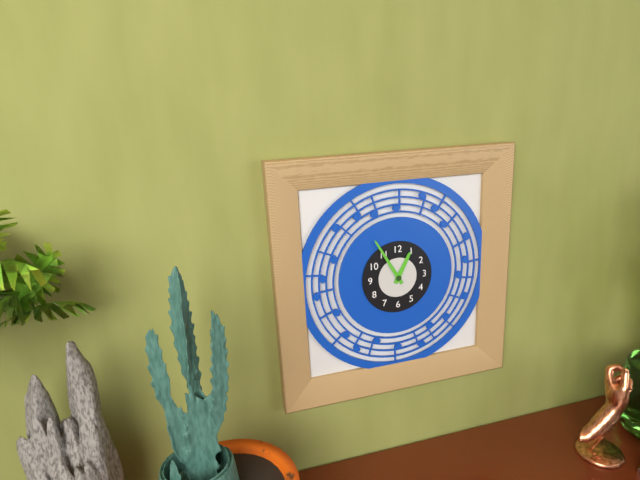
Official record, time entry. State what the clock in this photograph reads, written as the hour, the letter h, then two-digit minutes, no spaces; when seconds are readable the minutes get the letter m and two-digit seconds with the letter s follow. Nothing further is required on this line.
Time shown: 12h55
